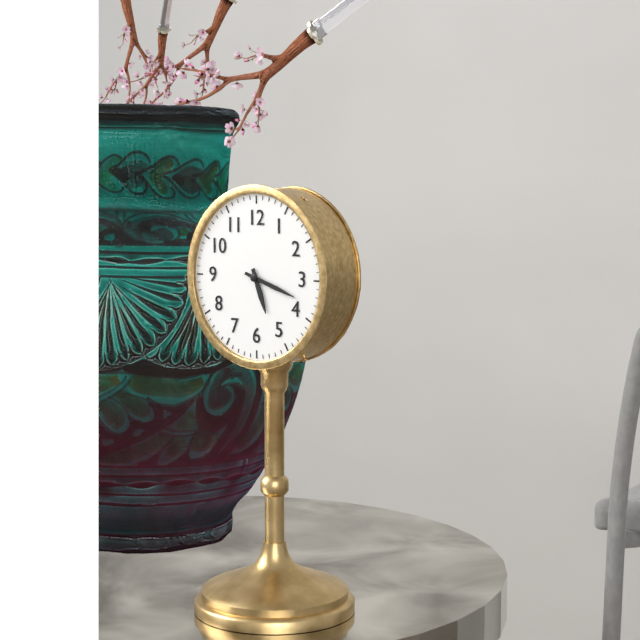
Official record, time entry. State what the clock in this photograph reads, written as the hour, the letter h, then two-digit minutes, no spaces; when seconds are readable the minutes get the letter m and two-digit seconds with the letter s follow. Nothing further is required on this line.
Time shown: 5h18
